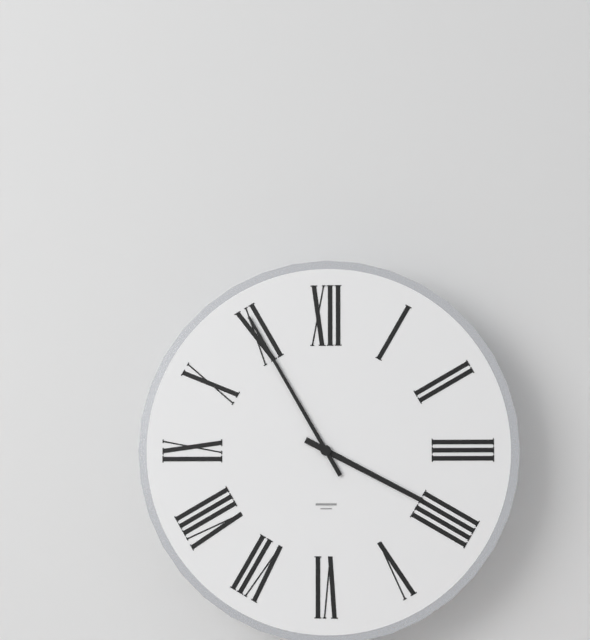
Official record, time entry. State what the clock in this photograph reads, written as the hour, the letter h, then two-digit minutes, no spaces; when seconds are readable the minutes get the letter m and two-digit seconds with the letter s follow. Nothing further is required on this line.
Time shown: 3h55
